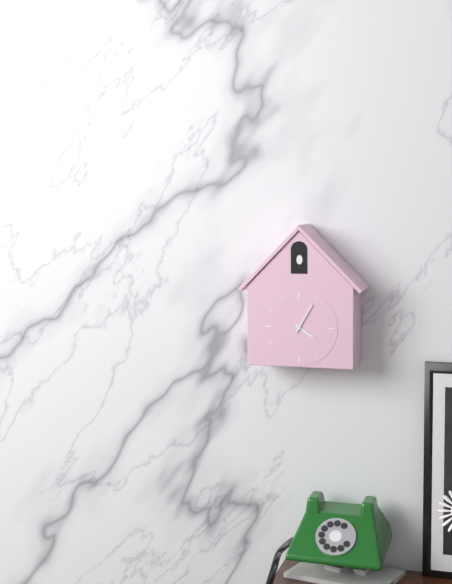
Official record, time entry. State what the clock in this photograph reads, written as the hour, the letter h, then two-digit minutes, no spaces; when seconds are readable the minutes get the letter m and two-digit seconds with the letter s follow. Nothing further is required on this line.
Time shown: 4h05
